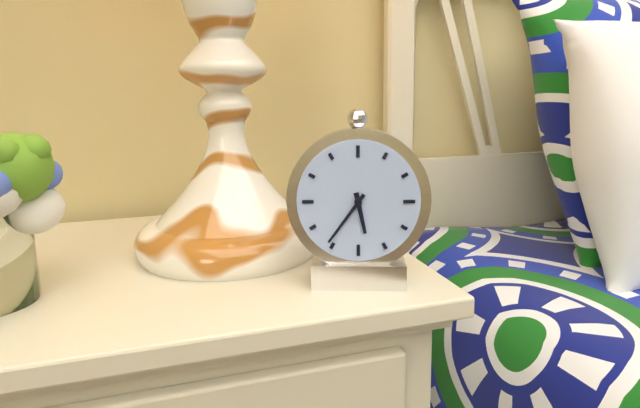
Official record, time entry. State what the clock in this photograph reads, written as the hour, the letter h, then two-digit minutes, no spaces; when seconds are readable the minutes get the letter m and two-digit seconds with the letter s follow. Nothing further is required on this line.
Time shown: 5h36
